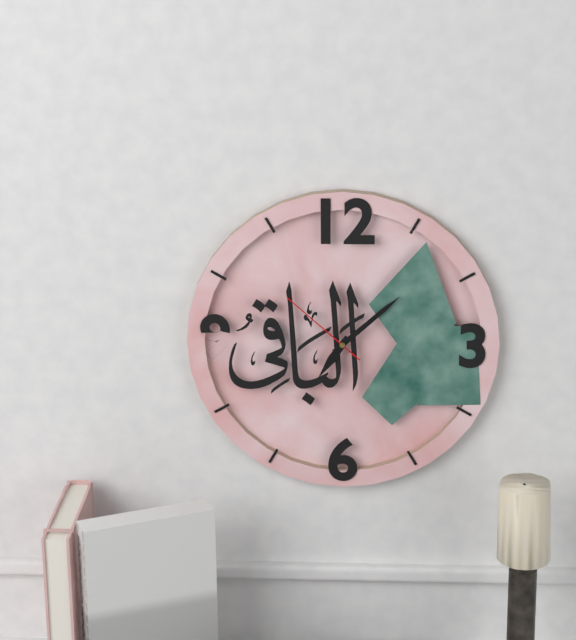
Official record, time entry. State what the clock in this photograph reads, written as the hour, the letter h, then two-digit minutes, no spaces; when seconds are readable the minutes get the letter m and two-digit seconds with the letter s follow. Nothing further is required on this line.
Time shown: 7h08m52s
